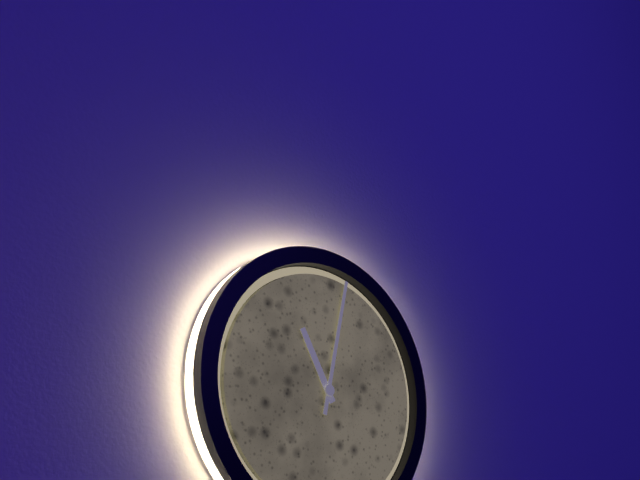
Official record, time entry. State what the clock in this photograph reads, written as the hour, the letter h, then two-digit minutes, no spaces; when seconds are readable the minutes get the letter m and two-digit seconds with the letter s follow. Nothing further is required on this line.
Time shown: 11h02
